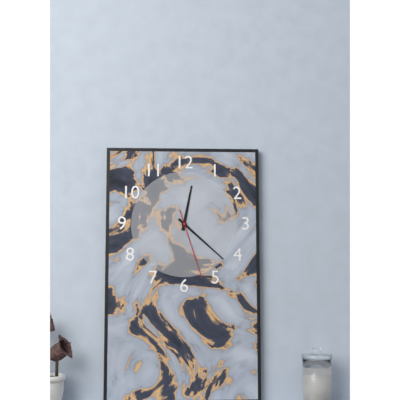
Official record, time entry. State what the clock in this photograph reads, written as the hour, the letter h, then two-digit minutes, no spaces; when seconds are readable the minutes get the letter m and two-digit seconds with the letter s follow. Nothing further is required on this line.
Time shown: 12h22m27s
